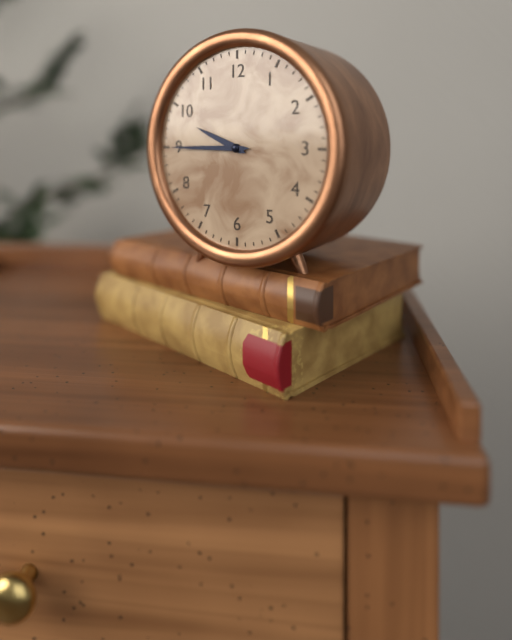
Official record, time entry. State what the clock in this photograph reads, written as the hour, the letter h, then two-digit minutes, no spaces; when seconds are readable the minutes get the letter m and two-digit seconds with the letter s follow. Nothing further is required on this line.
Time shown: 9h45
